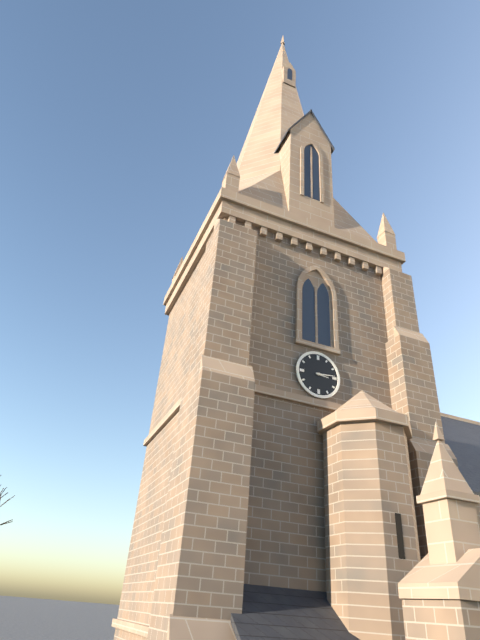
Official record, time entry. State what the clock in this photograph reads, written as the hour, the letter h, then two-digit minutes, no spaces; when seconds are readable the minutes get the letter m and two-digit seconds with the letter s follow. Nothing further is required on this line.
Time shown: 3h14
